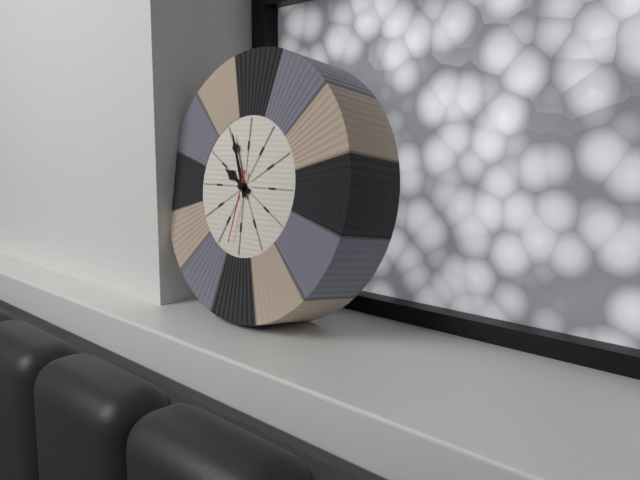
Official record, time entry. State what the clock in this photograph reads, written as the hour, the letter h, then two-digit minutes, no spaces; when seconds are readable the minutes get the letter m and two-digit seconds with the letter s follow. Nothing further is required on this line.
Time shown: 9h56m32s
